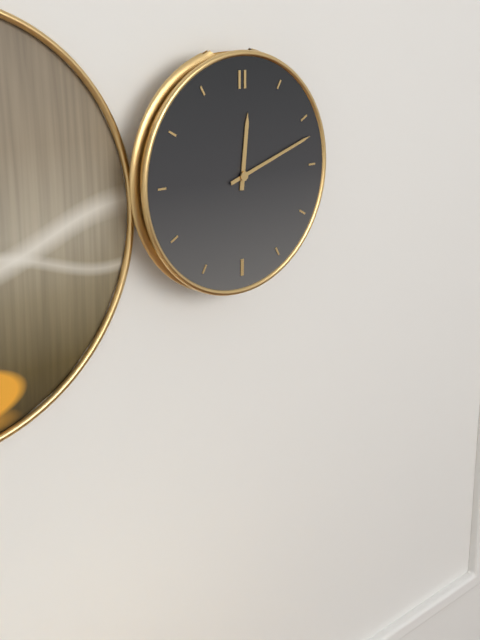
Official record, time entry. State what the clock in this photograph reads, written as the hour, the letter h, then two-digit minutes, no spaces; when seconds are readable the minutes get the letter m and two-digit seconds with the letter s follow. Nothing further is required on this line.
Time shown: 12h12
